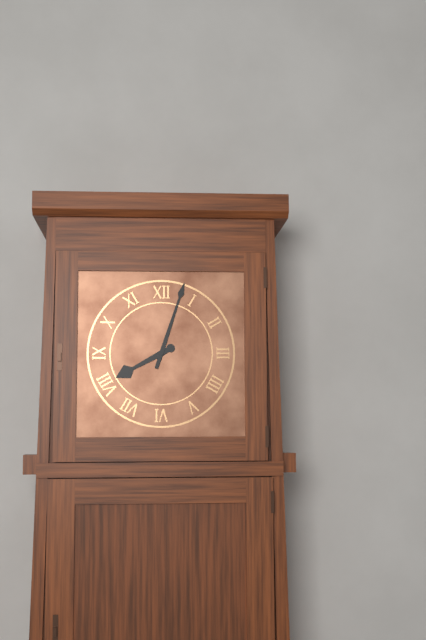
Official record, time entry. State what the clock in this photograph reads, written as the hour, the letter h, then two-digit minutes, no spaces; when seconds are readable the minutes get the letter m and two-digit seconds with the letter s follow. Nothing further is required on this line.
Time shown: 8h03
